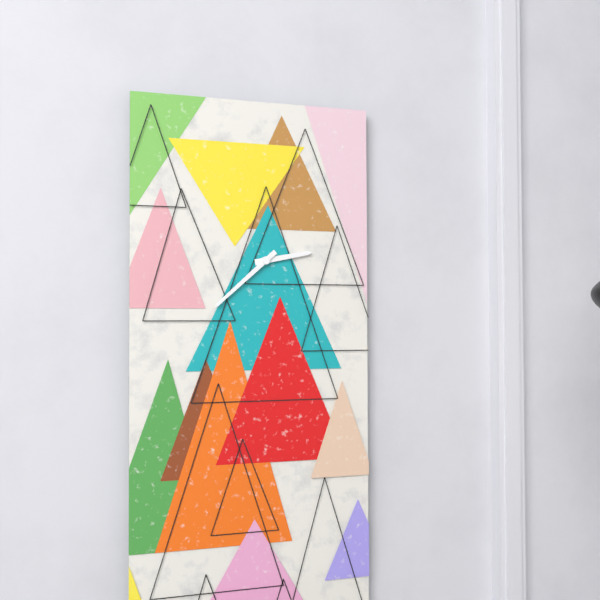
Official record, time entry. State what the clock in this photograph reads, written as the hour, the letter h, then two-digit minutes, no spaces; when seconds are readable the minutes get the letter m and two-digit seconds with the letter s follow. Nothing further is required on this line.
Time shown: 2h38
